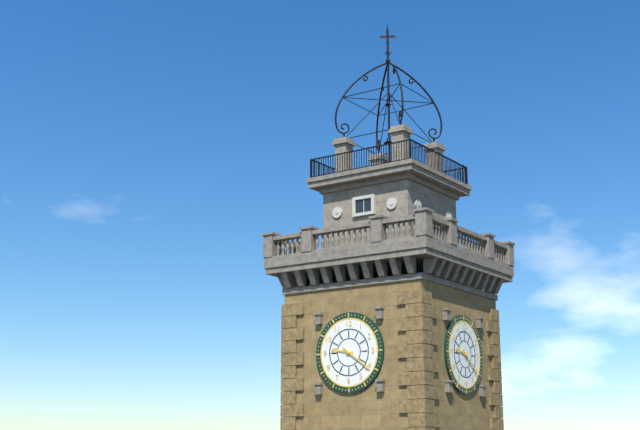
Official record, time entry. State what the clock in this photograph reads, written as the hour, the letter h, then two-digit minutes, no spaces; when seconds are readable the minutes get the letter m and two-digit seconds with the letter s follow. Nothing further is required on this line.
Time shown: 9h21
